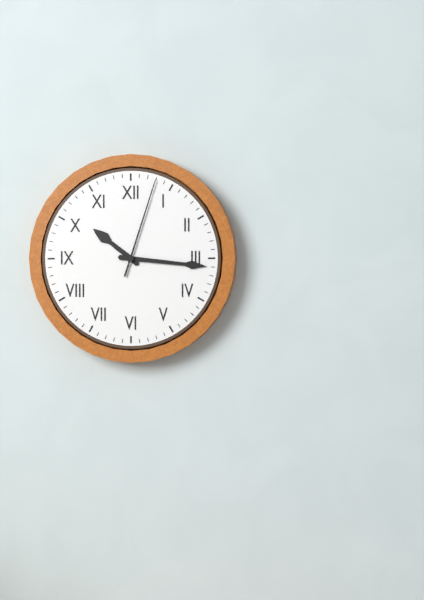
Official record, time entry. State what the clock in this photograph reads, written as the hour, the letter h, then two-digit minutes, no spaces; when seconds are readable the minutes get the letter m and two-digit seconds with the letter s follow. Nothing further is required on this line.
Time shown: 10h16m03s
